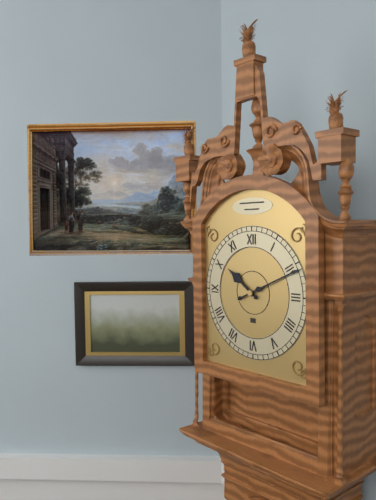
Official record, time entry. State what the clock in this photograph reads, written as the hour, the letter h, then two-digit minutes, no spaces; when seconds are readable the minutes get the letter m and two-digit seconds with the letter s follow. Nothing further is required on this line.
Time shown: 10h11
